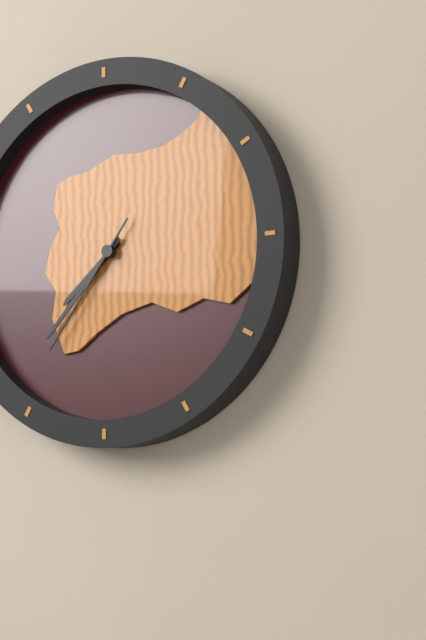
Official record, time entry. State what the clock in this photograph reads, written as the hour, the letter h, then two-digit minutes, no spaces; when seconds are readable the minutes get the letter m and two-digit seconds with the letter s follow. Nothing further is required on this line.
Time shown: 7h37m36s
